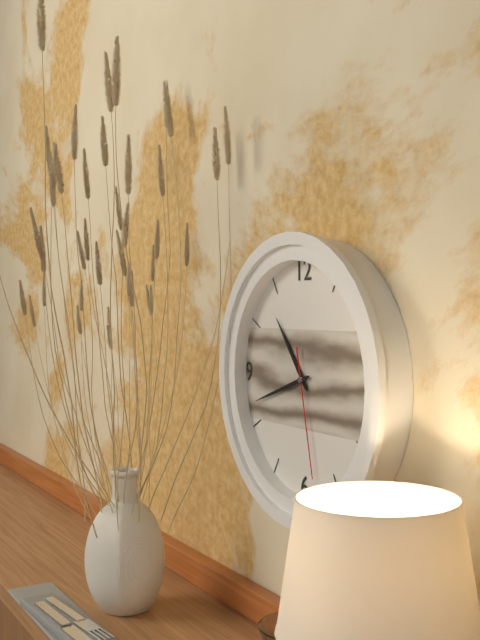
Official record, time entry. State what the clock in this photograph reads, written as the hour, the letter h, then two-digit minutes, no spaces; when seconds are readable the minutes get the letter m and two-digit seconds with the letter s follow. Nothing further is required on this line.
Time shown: 10h42m28s
